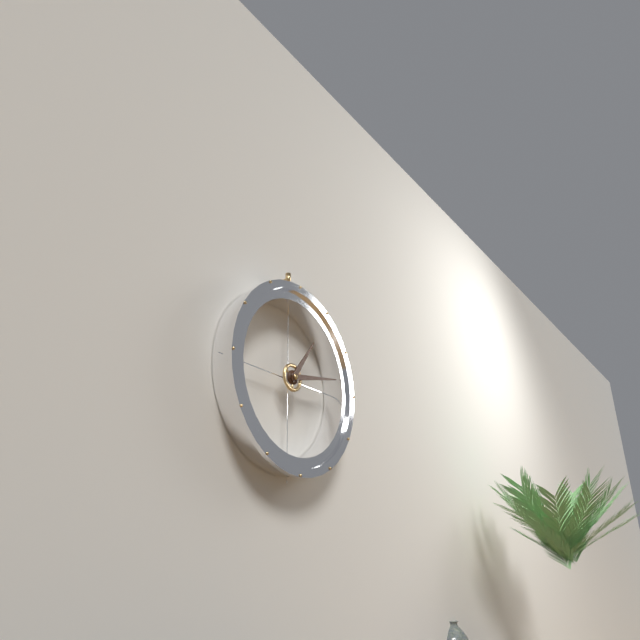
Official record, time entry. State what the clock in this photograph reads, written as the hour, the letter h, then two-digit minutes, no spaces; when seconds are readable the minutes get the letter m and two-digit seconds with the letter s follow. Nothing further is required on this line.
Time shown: 1h13
